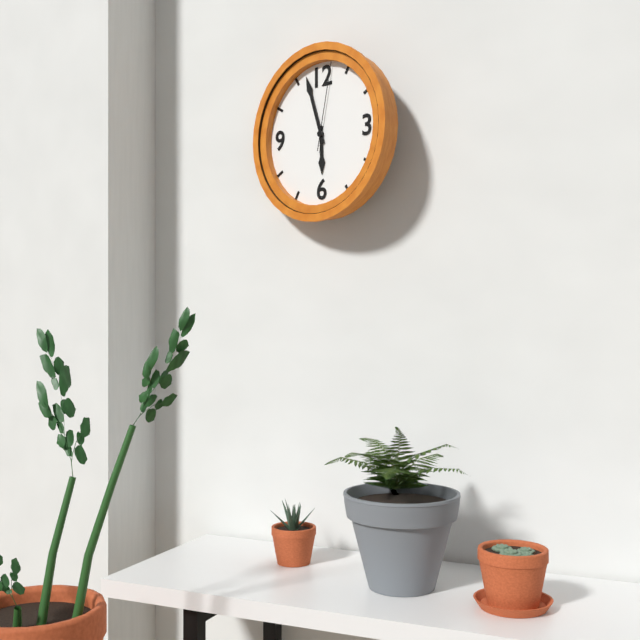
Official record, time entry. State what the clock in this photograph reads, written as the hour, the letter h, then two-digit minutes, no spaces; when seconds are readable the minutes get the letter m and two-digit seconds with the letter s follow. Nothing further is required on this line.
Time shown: 5h57m02s
